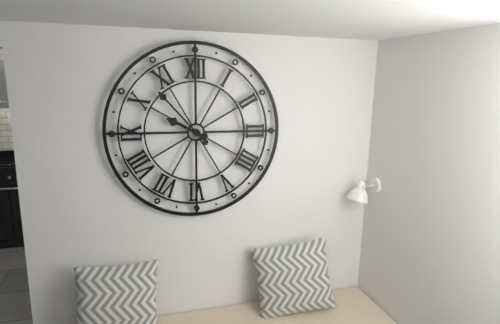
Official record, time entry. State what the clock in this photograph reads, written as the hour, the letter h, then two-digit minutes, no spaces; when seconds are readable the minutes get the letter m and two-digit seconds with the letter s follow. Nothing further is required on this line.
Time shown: 9h53
